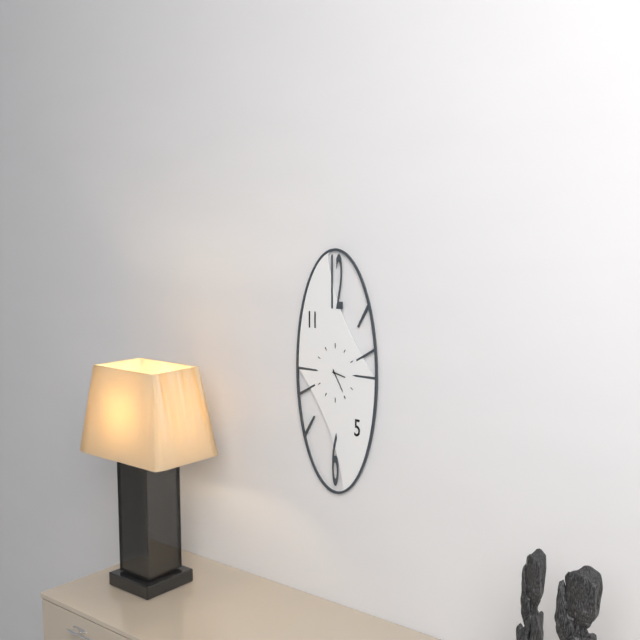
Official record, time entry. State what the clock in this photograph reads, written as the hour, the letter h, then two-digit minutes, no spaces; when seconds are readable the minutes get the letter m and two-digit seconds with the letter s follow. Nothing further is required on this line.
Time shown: 3h25
